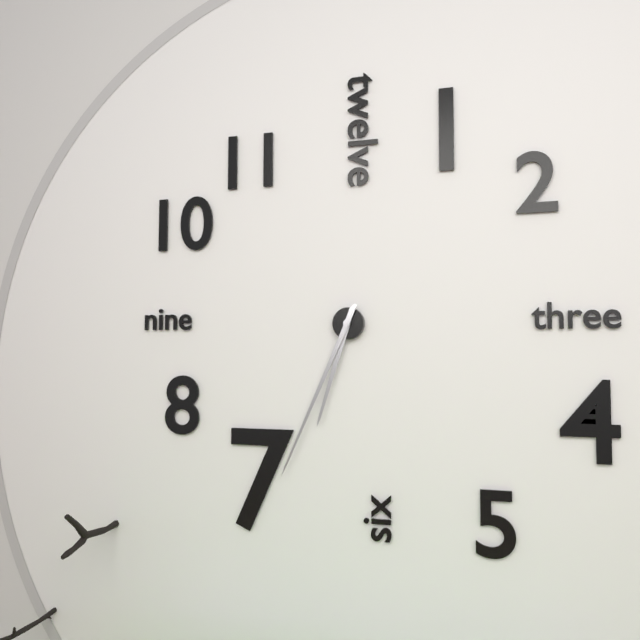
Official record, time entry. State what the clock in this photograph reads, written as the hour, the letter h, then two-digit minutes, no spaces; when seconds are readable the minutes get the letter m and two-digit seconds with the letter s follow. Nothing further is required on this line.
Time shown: 6h34
